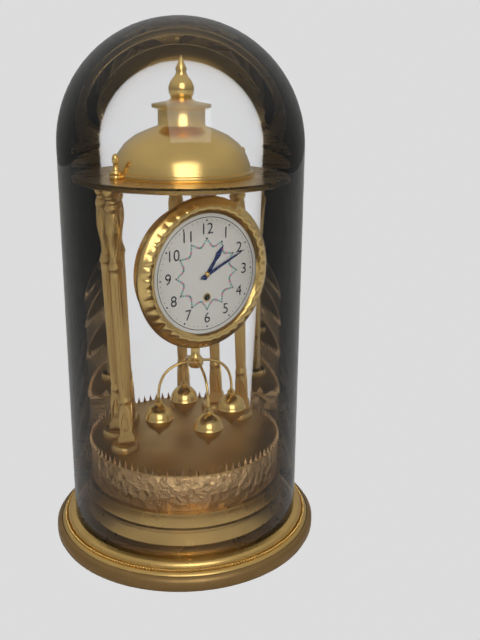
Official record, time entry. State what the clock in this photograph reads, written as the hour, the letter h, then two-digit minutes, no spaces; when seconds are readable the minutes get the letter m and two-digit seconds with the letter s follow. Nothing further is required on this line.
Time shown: 1h11
